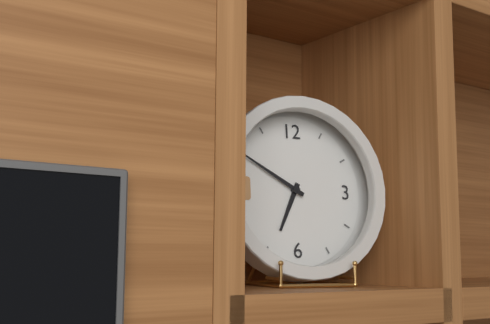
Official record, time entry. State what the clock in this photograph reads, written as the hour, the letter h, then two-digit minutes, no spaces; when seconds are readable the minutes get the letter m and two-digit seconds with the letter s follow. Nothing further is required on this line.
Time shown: 6h50
